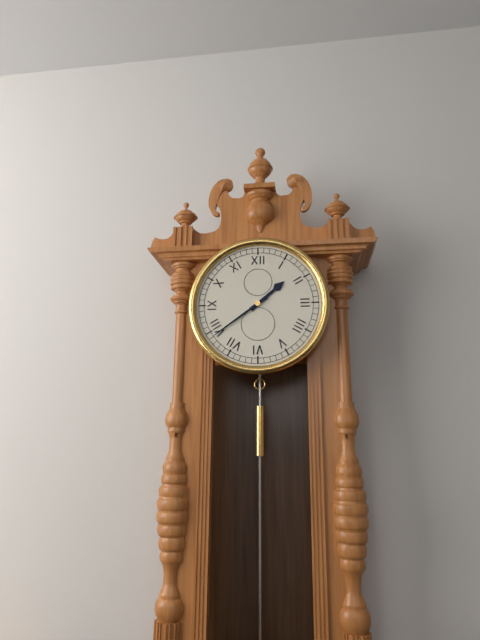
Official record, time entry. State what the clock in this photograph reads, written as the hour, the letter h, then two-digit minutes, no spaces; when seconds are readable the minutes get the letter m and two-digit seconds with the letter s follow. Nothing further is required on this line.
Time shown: 1h39
